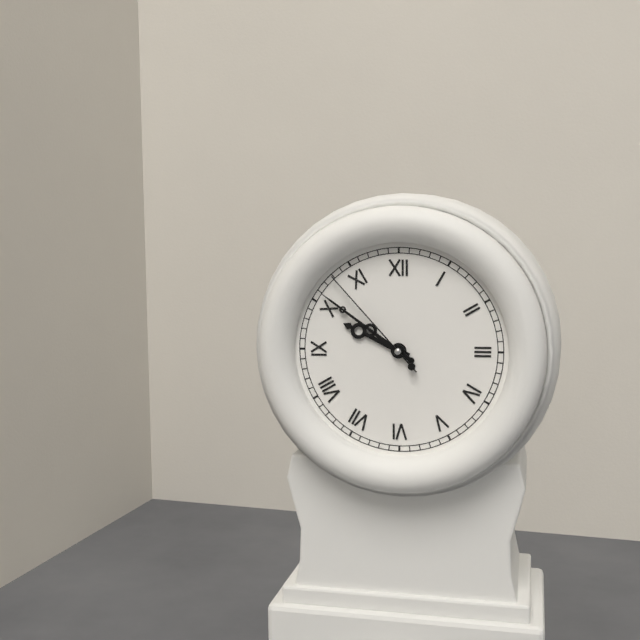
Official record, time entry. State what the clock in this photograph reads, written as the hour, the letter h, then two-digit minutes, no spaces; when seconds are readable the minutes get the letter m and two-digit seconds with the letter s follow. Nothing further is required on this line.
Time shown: 9h51m53s
